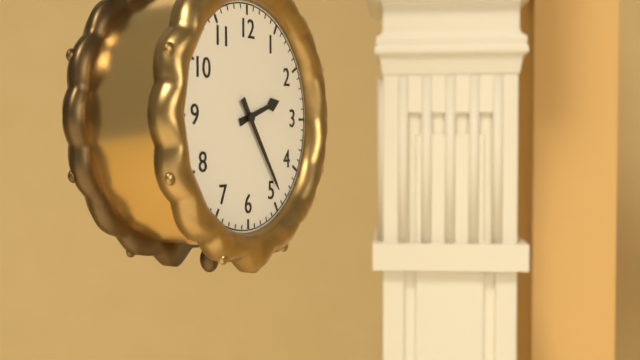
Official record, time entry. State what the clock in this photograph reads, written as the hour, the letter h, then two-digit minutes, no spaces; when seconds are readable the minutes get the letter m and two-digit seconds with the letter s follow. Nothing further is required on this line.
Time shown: 2h24
